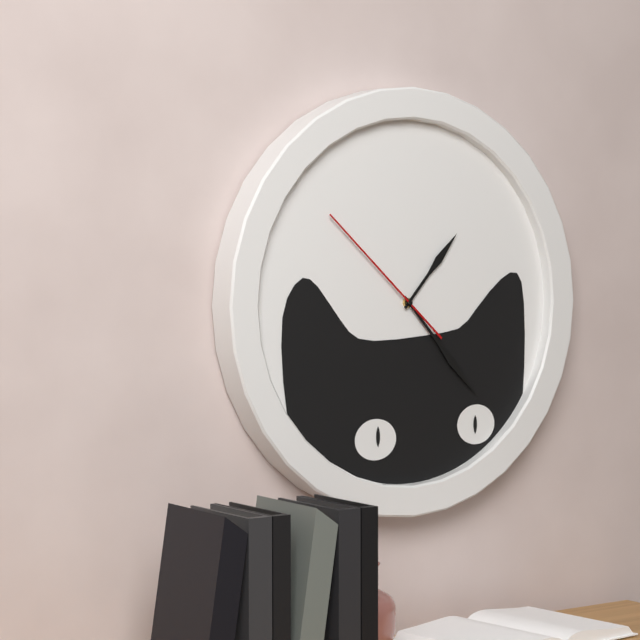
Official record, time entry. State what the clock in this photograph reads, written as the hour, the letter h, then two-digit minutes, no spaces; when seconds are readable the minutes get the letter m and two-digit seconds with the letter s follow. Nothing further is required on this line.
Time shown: 1h23m52s
